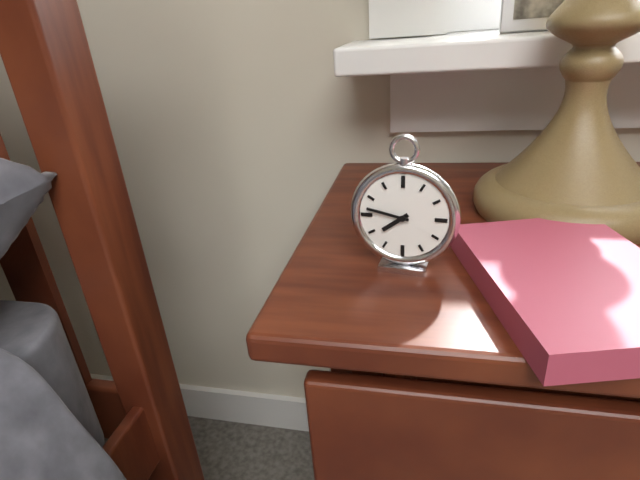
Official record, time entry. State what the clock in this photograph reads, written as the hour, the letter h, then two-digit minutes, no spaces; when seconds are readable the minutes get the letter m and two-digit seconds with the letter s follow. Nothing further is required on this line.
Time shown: 7h47
